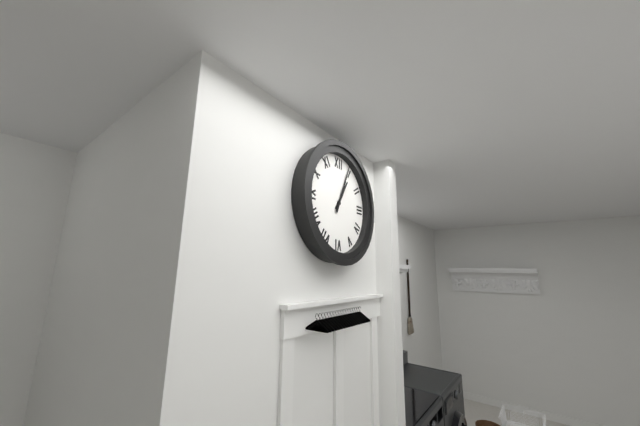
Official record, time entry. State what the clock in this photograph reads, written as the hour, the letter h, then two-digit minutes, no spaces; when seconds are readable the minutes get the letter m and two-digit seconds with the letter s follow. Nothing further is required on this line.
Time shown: 1h04
